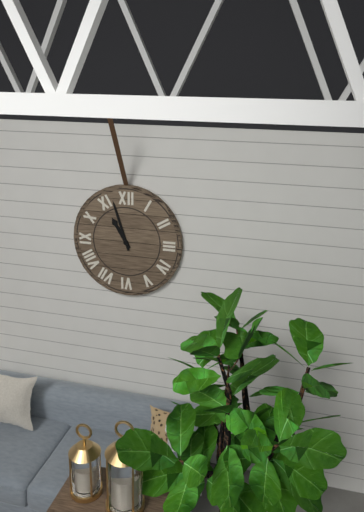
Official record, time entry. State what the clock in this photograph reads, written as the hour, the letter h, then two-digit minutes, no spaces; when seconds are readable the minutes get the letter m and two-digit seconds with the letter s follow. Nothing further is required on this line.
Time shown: 10h57
